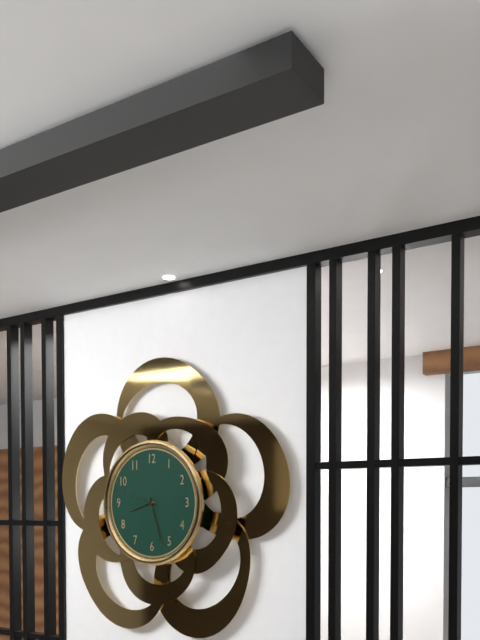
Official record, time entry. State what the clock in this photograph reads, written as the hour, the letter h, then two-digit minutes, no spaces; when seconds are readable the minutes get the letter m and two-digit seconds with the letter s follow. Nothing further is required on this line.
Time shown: 8h27
